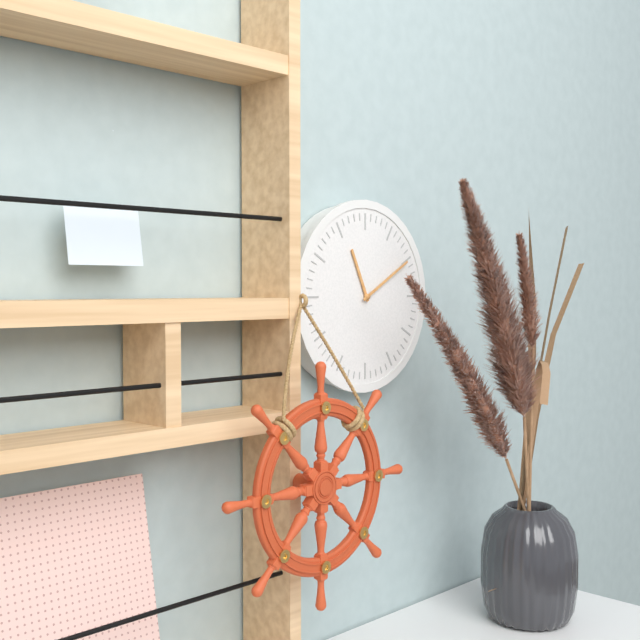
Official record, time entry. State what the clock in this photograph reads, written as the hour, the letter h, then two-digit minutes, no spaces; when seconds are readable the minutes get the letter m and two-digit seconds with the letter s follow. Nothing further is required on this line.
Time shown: 11h10
